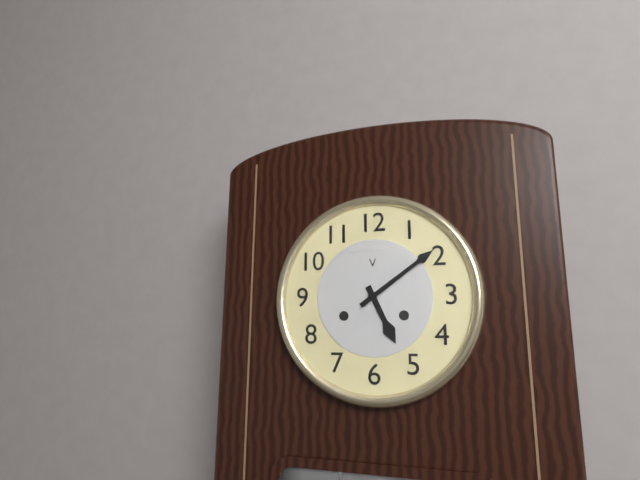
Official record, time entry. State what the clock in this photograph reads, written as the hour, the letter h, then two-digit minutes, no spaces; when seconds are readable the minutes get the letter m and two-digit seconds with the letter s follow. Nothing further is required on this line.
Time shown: 5h09
